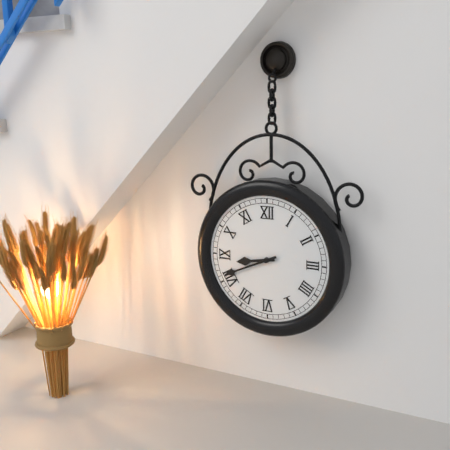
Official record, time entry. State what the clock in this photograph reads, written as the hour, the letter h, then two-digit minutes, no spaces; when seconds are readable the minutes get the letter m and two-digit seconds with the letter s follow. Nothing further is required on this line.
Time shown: 8h41
